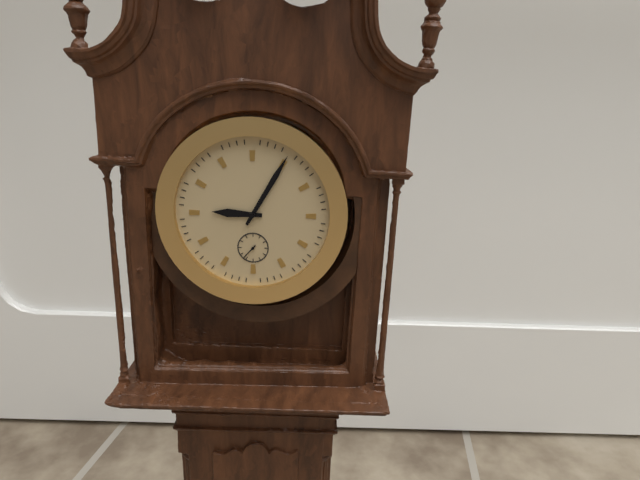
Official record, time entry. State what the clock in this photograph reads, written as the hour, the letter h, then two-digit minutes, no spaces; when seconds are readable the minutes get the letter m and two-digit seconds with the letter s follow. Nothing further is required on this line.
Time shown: 9h05
